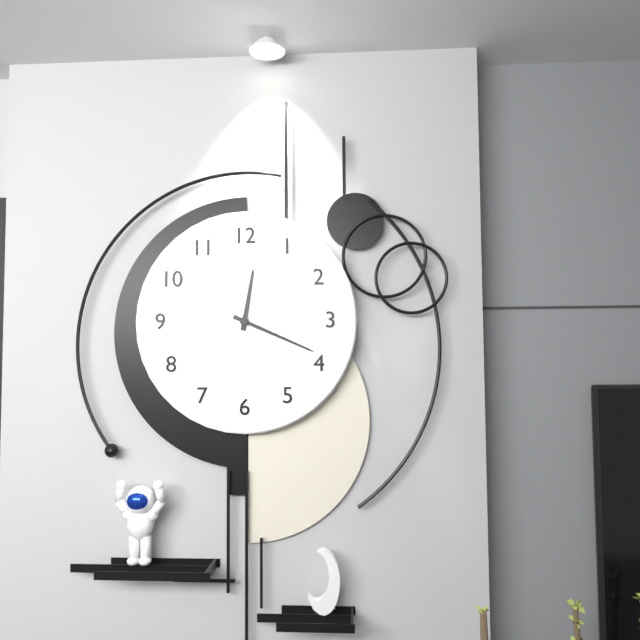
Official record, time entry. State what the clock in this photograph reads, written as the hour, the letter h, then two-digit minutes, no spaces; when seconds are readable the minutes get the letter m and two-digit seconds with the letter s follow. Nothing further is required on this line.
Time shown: 12h19
